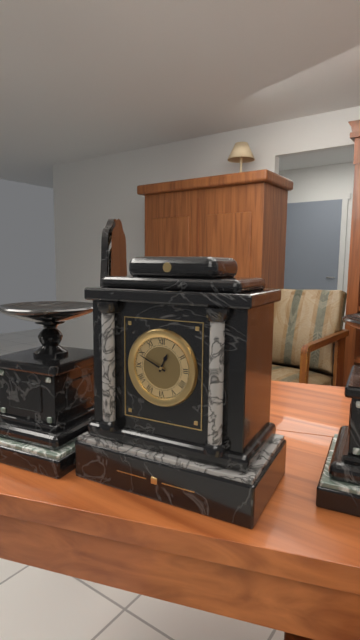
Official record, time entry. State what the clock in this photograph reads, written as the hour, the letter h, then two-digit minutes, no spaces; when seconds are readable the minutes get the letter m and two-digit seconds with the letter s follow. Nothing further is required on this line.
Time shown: 12h49
